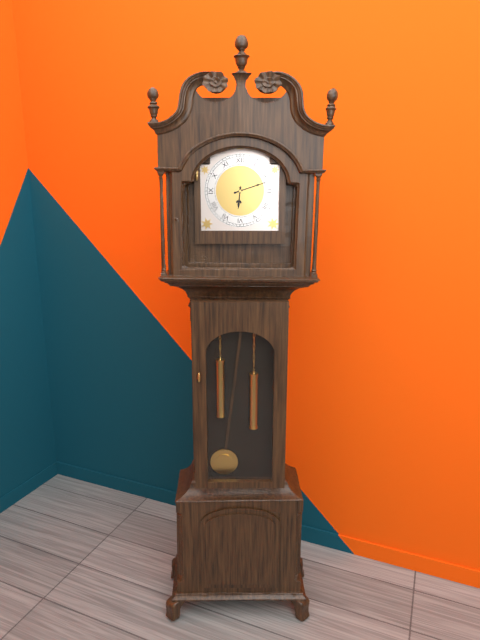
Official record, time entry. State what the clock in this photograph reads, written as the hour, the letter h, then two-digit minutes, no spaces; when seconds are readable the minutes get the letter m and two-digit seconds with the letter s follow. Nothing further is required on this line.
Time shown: 6h12
